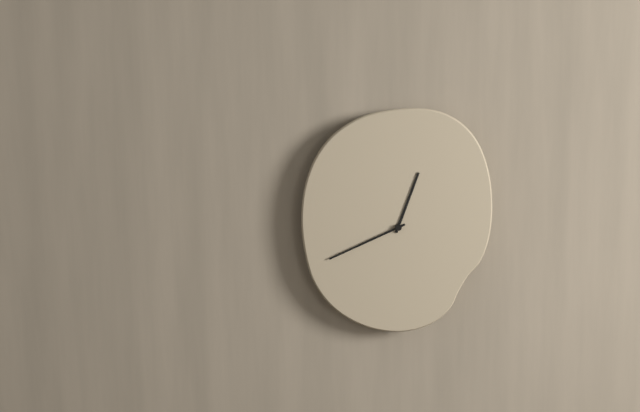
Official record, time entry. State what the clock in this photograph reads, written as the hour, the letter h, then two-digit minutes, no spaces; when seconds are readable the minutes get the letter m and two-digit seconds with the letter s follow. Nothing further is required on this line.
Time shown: 12h41
